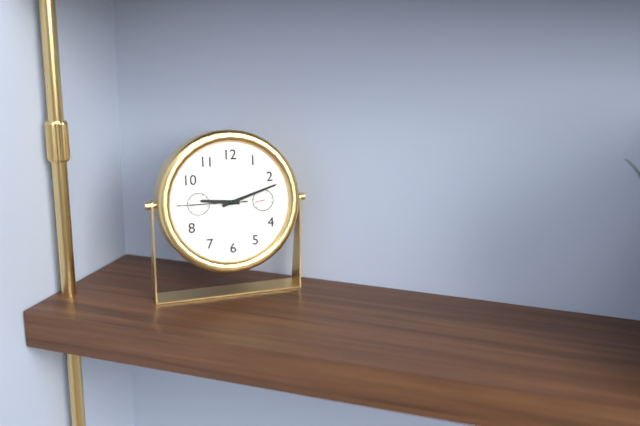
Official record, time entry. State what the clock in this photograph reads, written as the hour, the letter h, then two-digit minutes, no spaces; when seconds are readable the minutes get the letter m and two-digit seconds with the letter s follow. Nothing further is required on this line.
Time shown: 9h12m45s
